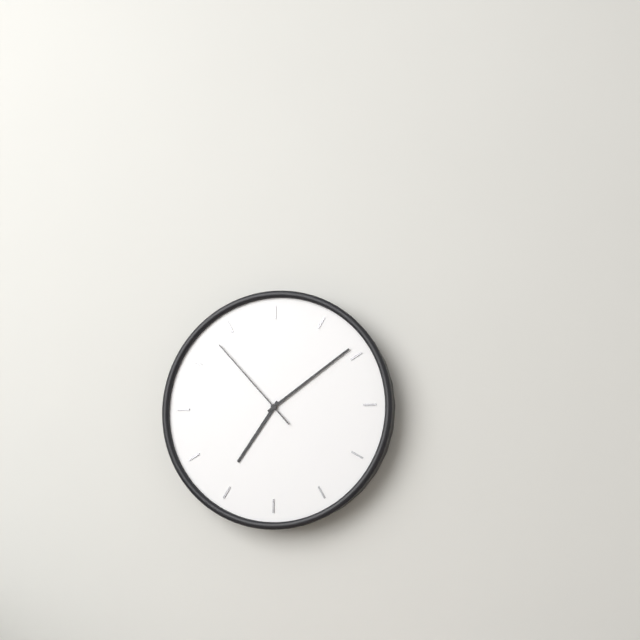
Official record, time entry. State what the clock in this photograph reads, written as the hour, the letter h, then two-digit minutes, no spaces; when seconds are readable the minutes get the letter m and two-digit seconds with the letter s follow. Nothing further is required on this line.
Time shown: 7h09m53s
